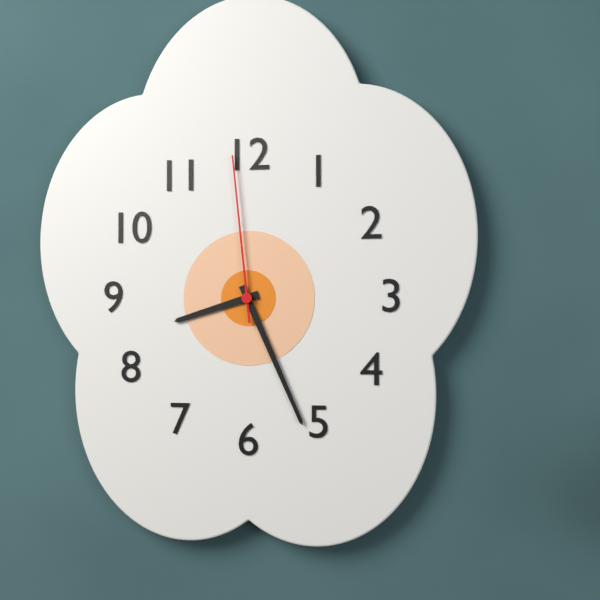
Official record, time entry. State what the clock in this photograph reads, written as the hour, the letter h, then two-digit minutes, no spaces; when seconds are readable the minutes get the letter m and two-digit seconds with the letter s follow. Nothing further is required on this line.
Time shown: 8h26m59s
